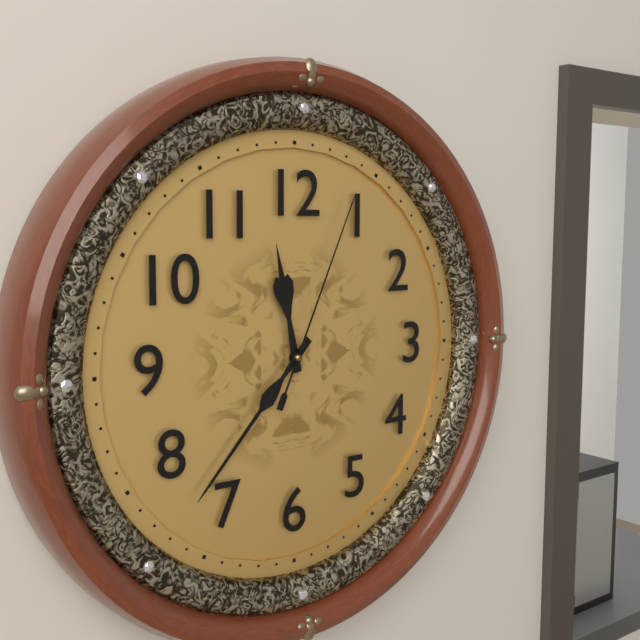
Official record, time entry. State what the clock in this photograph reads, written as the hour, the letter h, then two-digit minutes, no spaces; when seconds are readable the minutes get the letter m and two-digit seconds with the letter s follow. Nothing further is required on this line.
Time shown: 11h37m04s
